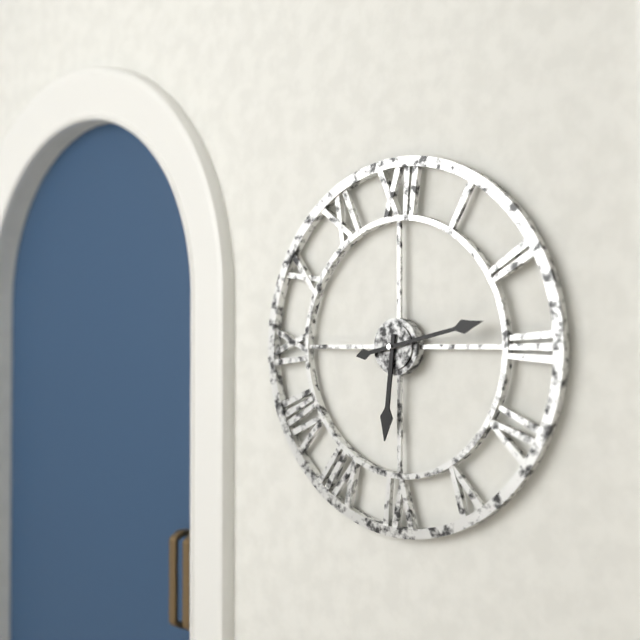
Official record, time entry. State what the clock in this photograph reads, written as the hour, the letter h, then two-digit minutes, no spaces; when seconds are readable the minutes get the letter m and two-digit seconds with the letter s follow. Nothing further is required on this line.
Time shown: 6h13
